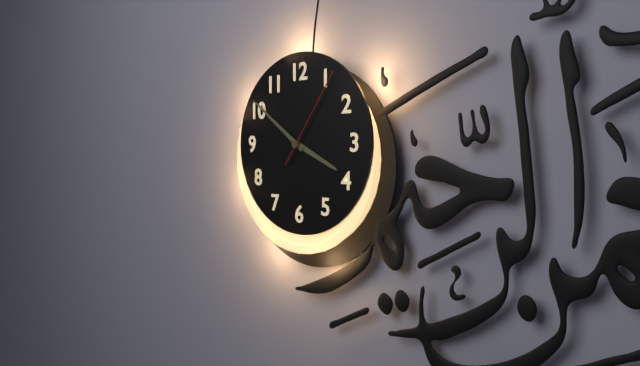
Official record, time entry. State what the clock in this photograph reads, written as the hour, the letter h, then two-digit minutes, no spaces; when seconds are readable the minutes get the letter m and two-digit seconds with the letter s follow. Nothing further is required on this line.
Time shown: 3h51m06s
